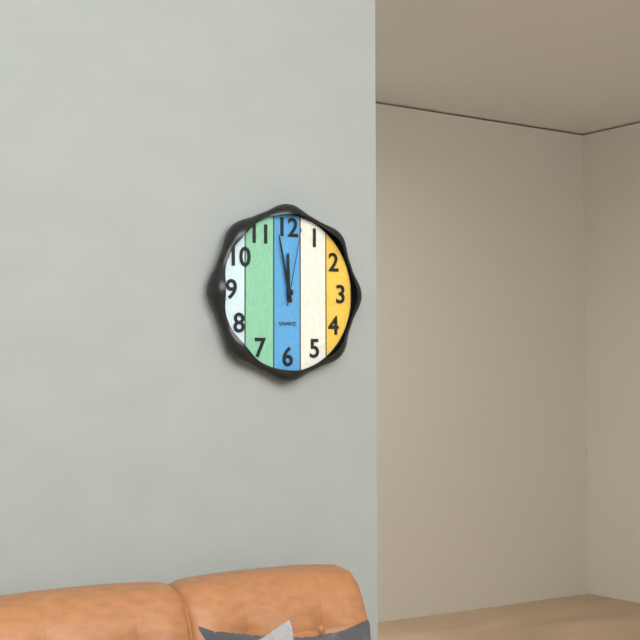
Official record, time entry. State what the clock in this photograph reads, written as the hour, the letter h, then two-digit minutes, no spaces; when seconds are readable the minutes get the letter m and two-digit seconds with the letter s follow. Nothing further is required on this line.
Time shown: 11h58m02s
